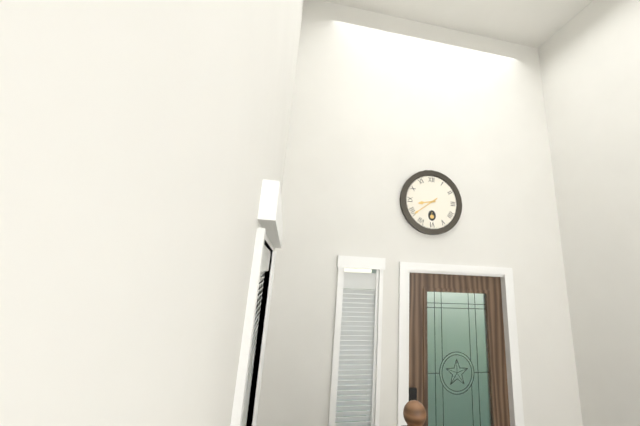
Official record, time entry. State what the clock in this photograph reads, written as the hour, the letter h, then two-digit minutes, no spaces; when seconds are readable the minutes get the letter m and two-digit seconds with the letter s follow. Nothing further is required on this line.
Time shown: 8h39
